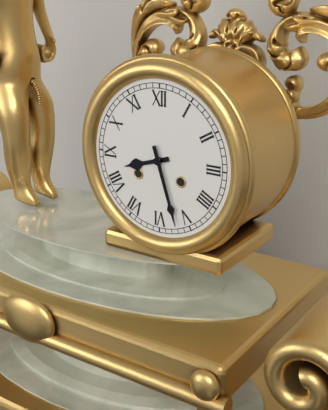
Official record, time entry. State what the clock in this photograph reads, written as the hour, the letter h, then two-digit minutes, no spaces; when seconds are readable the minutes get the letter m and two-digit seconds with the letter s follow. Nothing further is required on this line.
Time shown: 8h27
